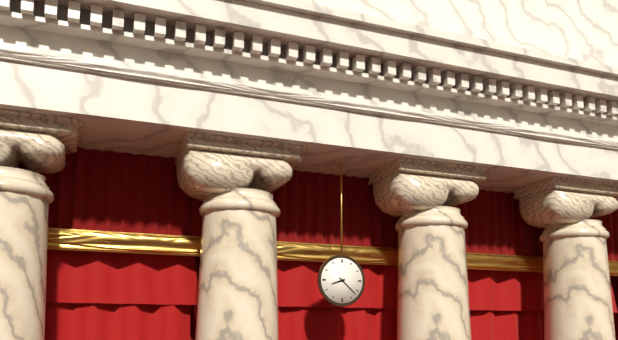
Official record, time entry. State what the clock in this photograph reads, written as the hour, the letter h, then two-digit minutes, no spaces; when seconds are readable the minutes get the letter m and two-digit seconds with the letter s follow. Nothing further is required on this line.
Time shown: 8h22
